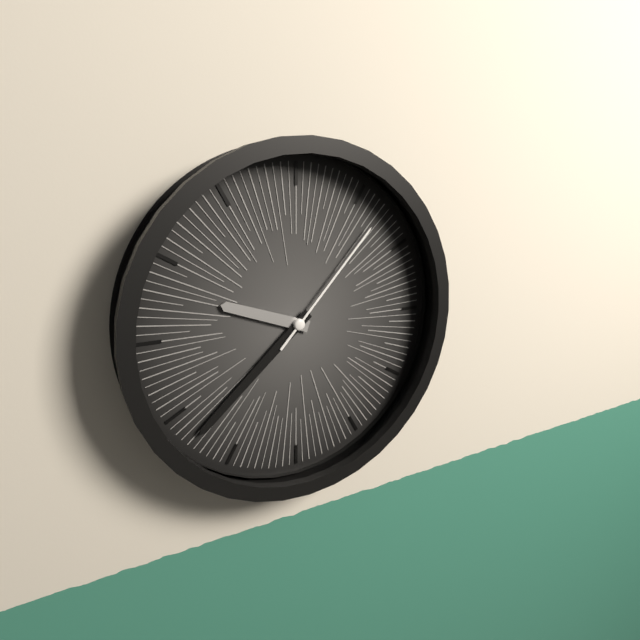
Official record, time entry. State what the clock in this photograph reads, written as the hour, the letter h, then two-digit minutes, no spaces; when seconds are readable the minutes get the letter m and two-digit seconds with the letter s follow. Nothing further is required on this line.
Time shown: 9h38m07s
